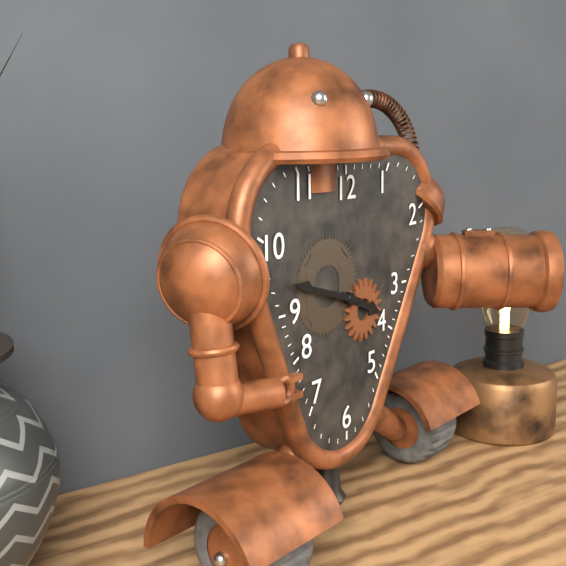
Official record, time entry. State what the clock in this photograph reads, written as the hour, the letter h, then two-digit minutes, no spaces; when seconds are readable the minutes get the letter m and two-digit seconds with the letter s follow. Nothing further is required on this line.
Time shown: 3h48
